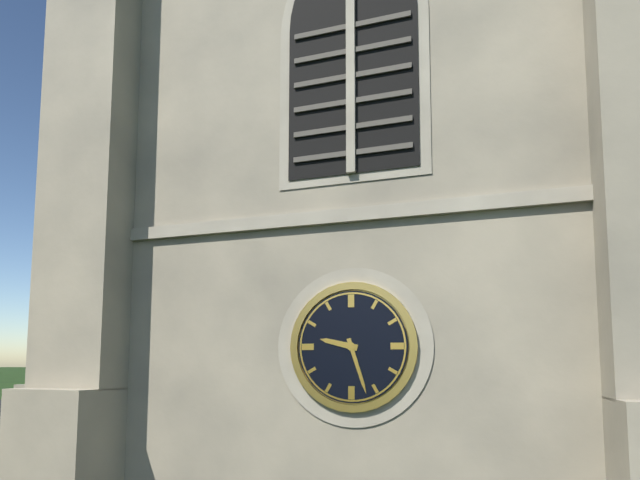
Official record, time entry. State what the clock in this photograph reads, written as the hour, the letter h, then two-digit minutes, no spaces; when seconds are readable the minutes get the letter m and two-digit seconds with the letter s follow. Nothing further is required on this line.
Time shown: 9h27
